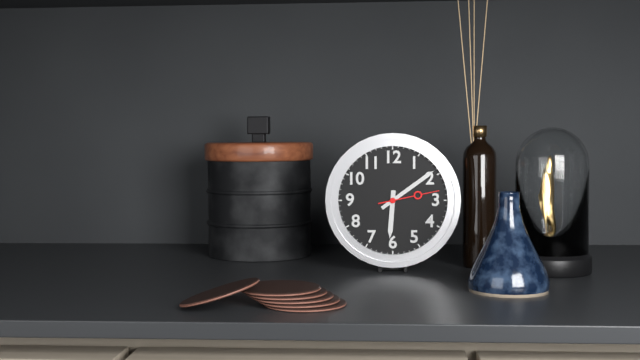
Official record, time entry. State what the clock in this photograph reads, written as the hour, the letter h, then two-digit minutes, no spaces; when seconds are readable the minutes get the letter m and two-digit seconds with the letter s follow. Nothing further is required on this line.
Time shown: 6h09m13s
